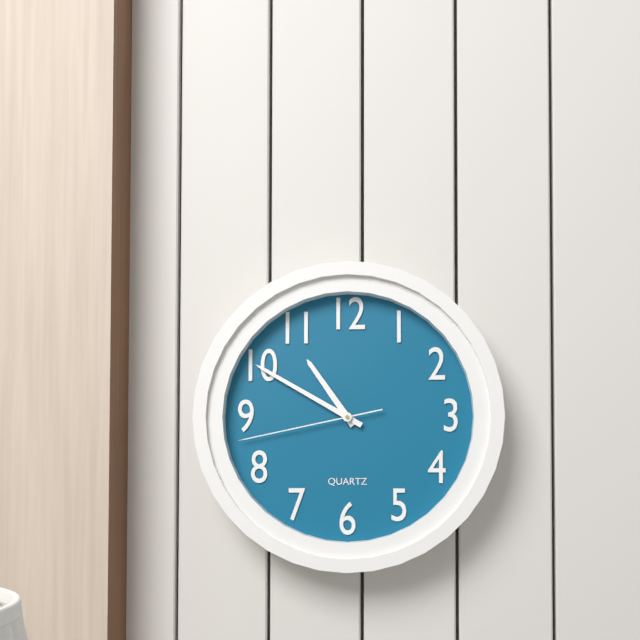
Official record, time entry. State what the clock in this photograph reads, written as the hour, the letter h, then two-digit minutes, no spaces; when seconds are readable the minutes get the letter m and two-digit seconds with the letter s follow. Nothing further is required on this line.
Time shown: 10h50m43s
